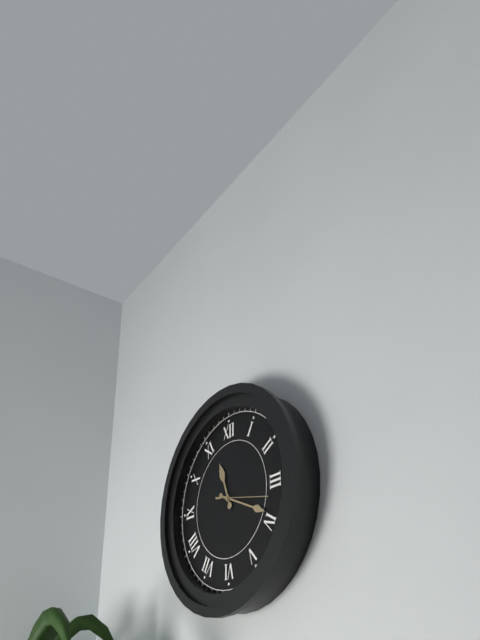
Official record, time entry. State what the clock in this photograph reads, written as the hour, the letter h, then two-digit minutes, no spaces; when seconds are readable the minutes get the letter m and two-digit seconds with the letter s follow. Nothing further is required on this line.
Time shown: 11h19m17s
